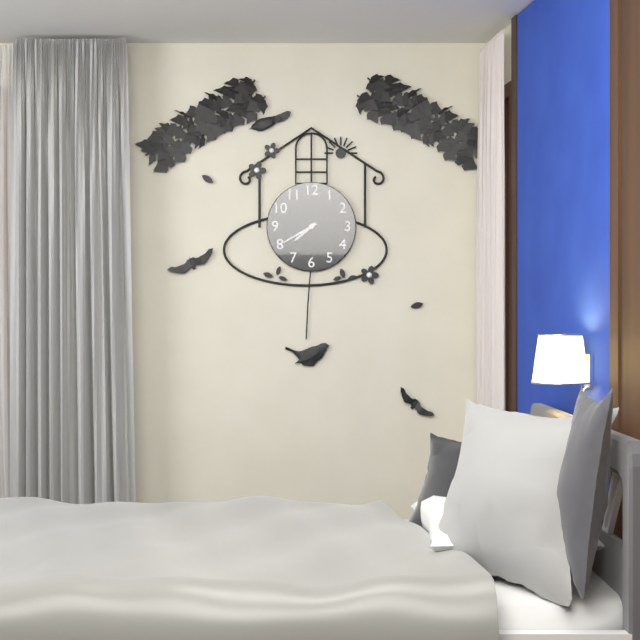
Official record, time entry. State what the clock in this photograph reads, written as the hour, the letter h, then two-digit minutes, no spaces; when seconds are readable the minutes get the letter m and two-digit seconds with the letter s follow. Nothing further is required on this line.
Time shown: 7h40
